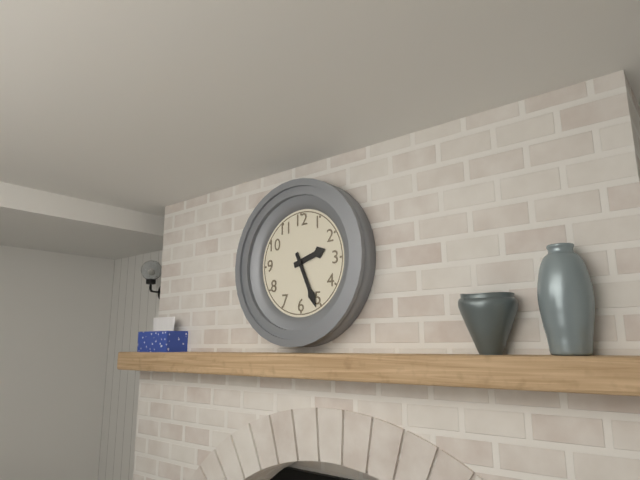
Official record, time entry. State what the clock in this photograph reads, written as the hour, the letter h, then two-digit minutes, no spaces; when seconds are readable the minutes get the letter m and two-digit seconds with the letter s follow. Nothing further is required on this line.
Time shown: 2h26
